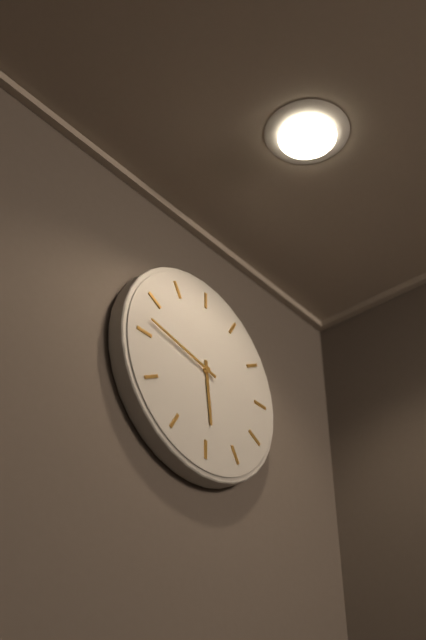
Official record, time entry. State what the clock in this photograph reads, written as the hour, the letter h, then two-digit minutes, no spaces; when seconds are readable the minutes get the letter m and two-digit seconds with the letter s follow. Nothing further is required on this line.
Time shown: 5h47
